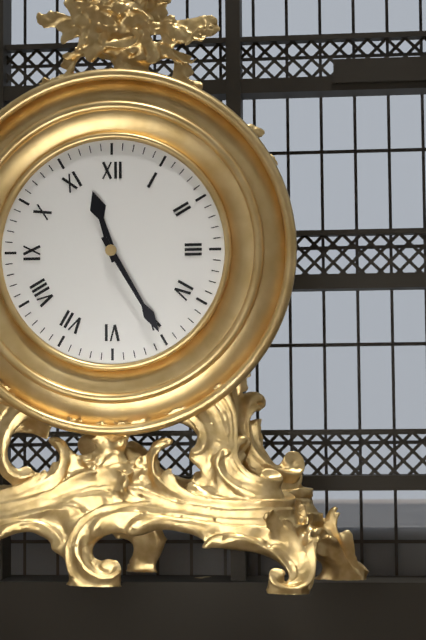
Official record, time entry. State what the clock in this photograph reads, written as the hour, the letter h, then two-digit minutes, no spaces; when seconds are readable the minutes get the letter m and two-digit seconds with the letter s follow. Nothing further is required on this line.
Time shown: 11h25
